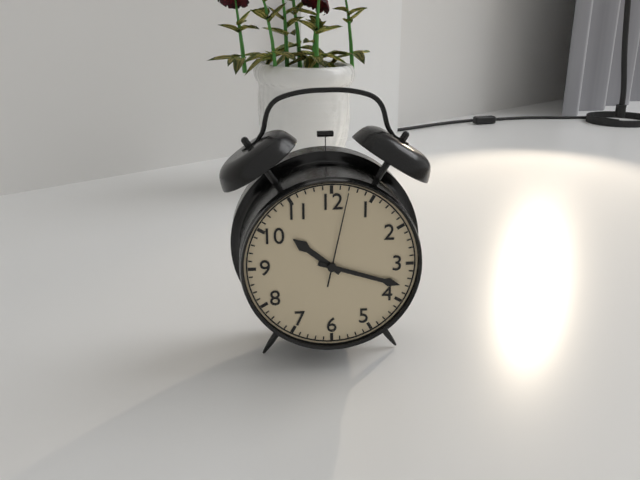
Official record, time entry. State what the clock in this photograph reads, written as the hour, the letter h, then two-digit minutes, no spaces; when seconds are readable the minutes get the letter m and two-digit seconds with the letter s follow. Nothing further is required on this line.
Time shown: 10h18m02s
